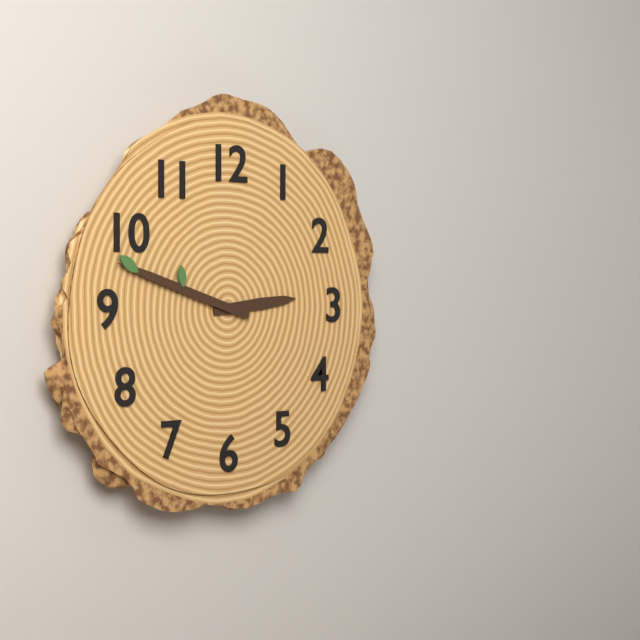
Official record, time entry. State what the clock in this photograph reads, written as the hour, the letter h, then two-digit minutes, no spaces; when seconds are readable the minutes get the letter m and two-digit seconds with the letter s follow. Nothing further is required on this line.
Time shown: 2h48
